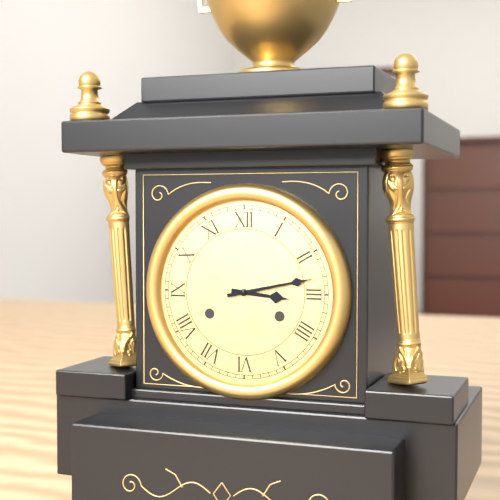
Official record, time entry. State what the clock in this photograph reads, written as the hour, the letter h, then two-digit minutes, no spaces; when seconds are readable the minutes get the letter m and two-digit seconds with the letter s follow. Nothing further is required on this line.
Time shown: 3h13
